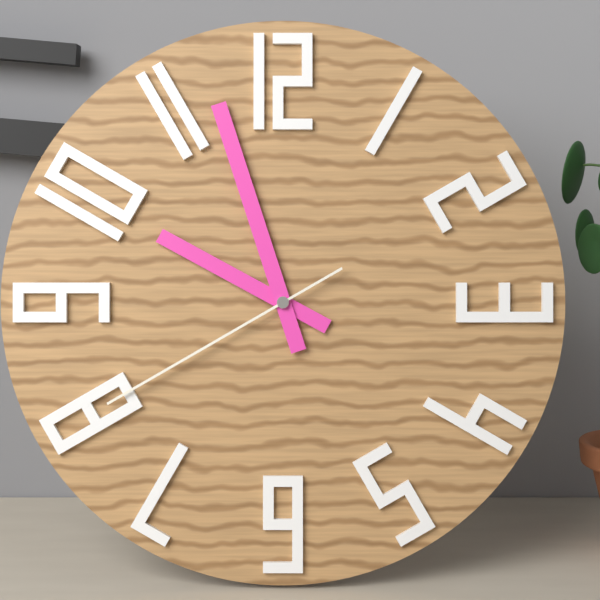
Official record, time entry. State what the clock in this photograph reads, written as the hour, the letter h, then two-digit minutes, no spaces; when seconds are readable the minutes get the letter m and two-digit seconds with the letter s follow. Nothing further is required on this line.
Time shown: 9h57m40s
